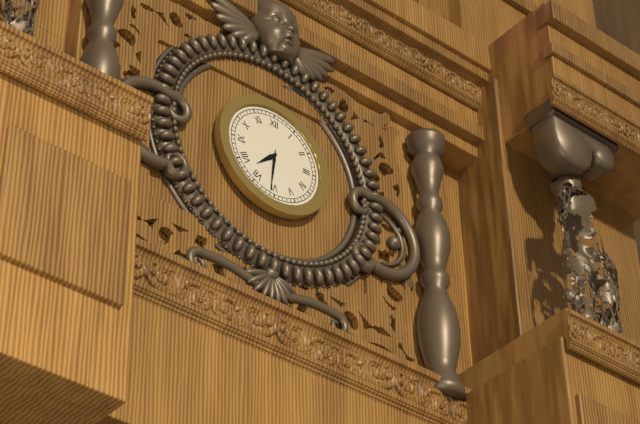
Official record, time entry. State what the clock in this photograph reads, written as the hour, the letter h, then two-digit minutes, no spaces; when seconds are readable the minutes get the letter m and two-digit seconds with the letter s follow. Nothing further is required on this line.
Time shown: 7h31
